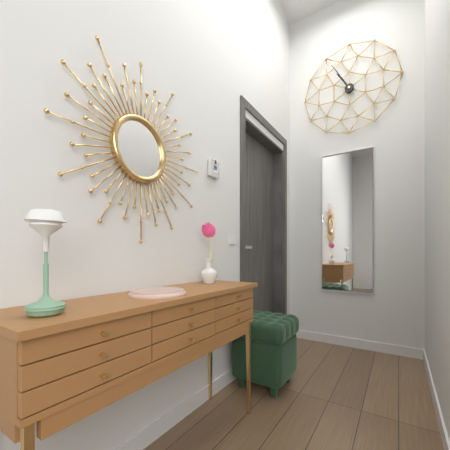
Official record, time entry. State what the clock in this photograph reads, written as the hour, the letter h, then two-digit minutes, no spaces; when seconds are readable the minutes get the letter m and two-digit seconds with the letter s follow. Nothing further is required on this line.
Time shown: 10h55
